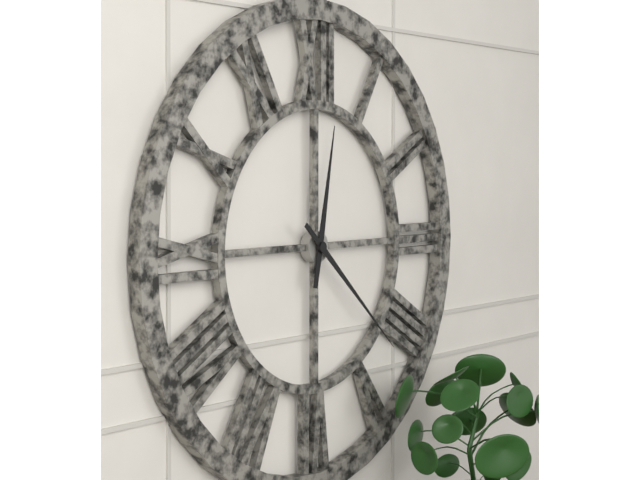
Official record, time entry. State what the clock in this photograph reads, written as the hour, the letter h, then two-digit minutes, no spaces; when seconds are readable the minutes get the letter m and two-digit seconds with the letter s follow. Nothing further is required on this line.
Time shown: 12h22
